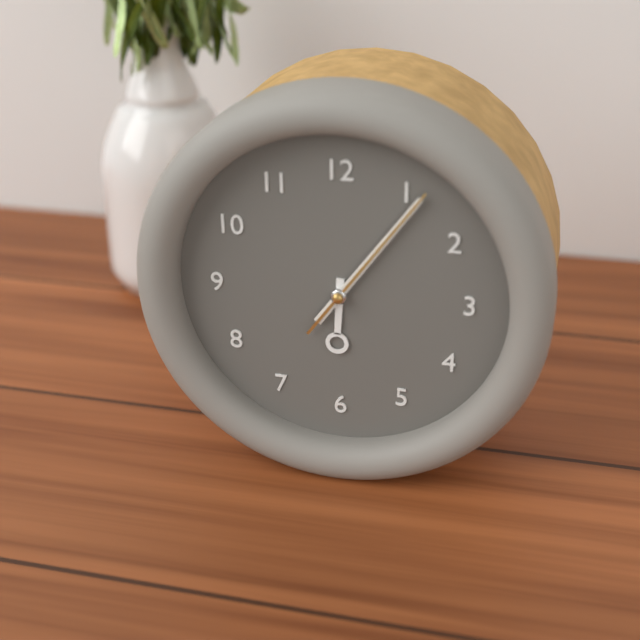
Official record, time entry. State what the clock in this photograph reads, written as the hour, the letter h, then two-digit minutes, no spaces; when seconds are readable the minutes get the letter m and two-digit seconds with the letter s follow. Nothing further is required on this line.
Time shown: 6h06m06s
